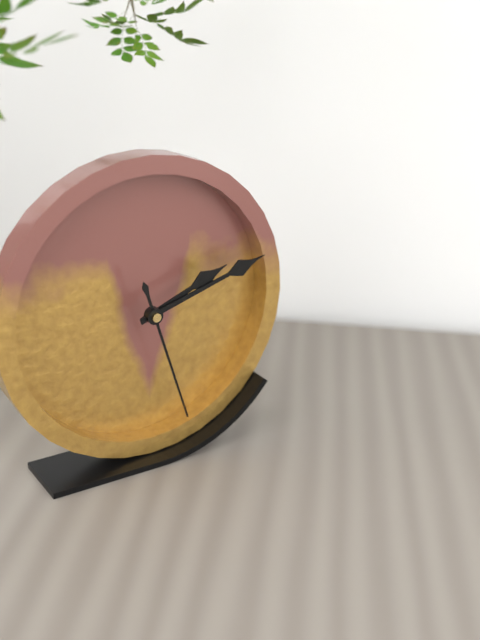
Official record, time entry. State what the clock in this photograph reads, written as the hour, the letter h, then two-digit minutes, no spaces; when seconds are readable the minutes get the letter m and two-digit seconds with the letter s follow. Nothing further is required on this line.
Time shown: 2h12m27s
